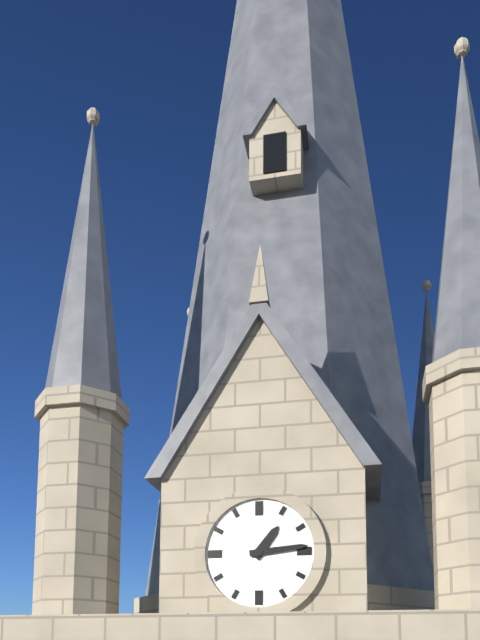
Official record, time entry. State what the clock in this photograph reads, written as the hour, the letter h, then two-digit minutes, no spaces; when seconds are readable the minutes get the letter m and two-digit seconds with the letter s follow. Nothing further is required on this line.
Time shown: 1h14
